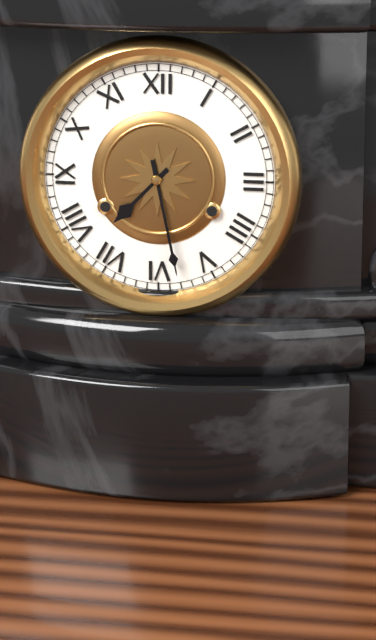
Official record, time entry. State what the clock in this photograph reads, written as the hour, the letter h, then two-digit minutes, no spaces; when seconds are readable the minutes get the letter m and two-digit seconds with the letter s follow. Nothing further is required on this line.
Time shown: 7h28
